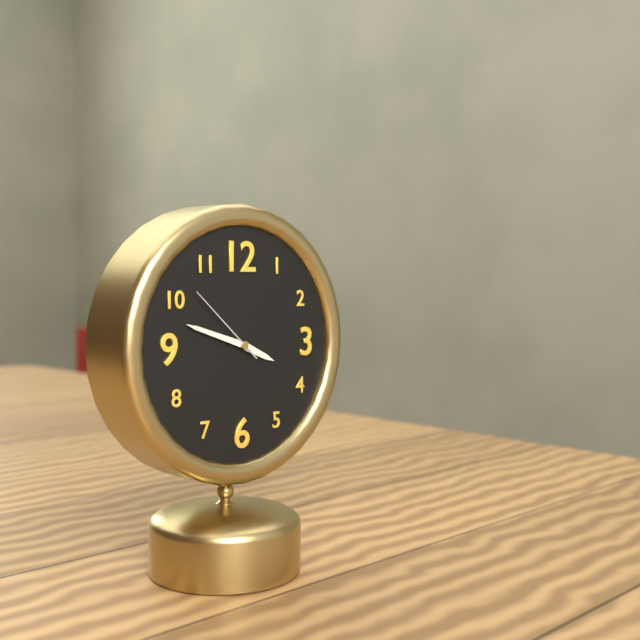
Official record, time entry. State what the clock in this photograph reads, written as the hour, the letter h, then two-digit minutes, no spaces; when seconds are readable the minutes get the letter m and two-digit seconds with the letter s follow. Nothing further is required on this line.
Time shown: 3h48m52s
